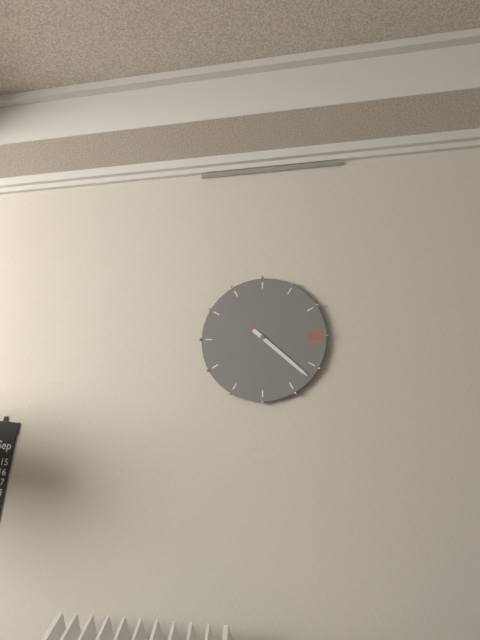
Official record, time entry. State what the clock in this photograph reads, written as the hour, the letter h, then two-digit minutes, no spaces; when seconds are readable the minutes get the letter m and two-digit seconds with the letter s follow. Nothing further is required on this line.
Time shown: 4h22
